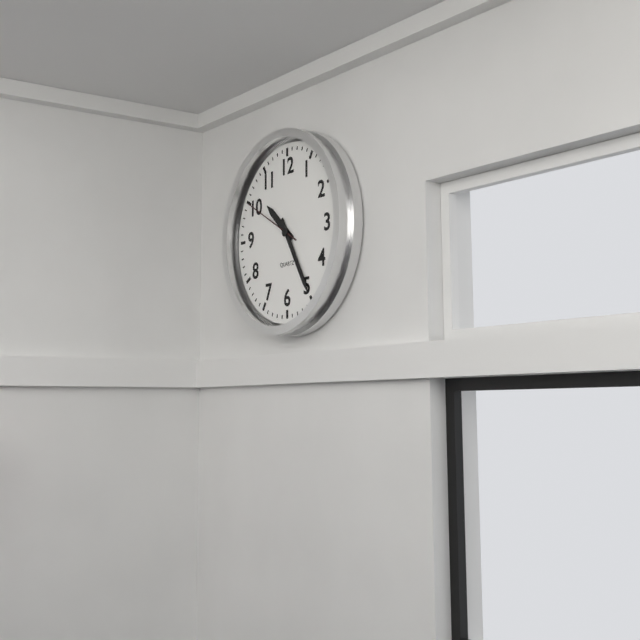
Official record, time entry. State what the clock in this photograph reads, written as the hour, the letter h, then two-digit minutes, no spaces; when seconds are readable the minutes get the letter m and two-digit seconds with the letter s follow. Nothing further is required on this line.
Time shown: 10h25m50s
